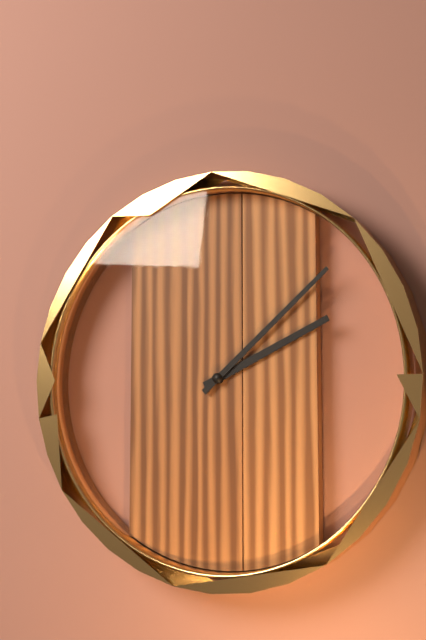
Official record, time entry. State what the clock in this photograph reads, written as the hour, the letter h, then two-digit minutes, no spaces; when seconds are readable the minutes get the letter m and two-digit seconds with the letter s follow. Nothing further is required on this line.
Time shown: 2h08
